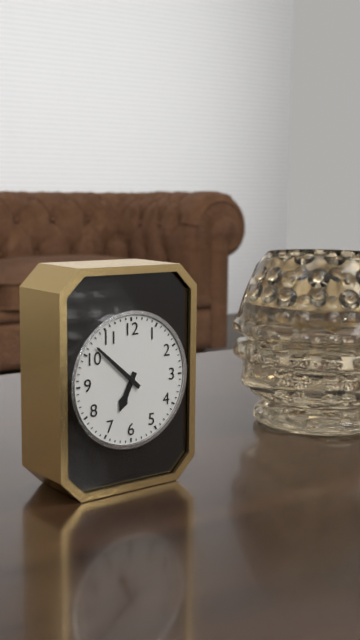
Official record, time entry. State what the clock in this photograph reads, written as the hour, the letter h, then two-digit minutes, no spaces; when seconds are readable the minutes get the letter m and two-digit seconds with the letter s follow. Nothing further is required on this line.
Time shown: 6h52
